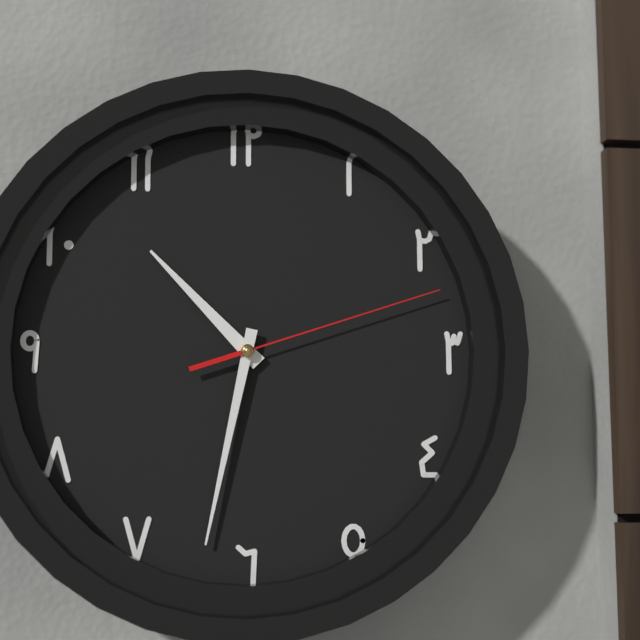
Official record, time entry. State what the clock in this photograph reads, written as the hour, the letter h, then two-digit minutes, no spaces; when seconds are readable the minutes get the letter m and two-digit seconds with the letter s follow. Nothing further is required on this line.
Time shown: 10h32m12s
